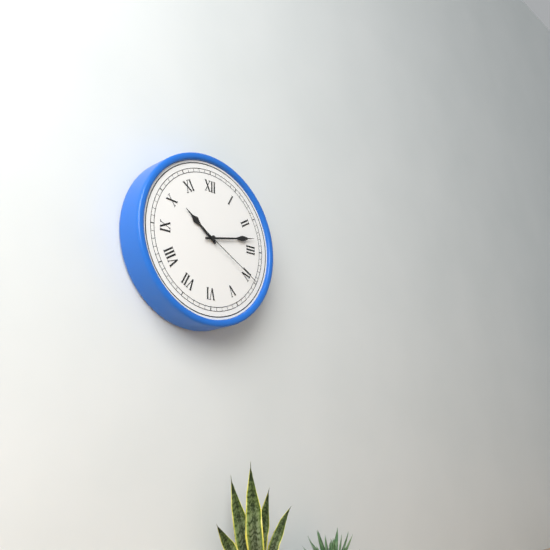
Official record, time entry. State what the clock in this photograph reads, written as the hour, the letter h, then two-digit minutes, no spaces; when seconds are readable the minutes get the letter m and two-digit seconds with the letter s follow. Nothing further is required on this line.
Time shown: 10h13m20s
